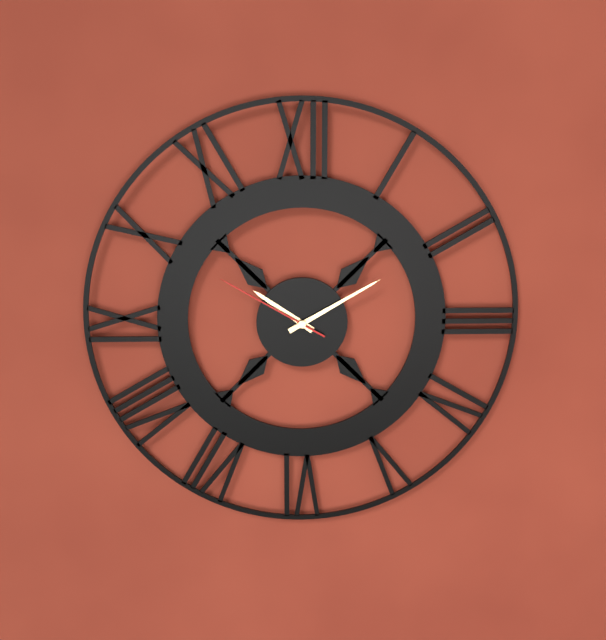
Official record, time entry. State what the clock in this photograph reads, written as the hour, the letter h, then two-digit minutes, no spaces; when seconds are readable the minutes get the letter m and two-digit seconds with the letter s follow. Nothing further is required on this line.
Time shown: 10h10m50s
